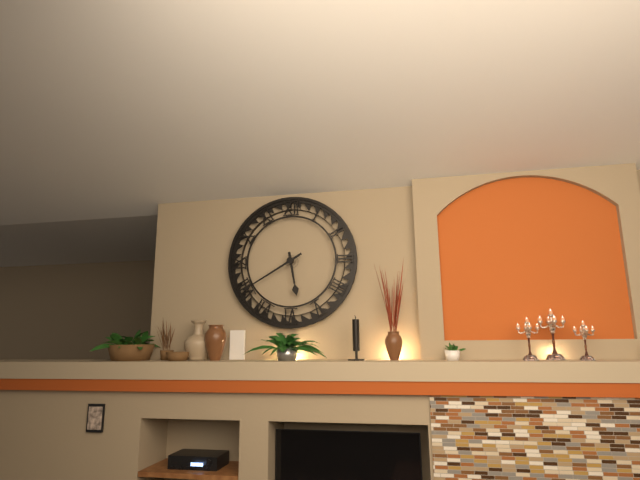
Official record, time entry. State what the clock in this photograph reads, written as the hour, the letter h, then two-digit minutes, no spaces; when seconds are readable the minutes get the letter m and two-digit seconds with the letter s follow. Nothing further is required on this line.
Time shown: 5h40
